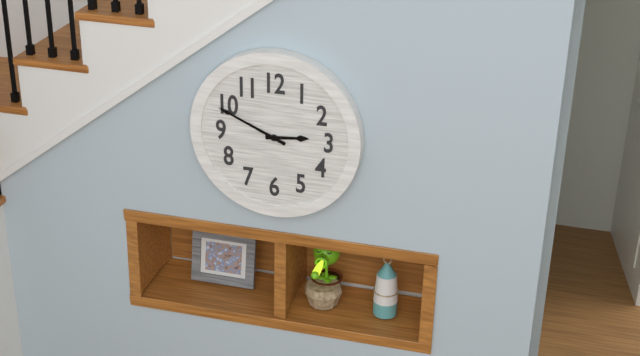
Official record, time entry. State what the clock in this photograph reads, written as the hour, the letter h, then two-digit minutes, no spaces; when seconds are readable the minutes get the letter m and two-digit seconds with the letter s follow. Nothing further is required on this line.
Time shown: 2h49
